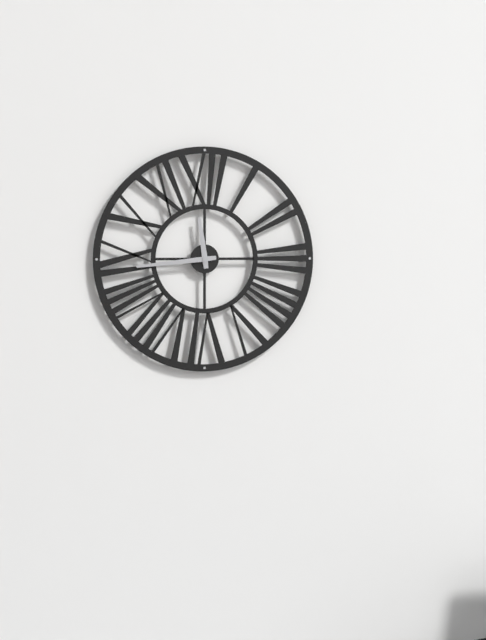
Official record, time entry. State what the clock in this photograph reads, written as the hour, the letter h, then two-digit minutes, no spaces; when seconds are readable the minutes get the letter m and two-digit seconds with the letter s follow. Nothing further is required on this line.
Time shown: 11h44
